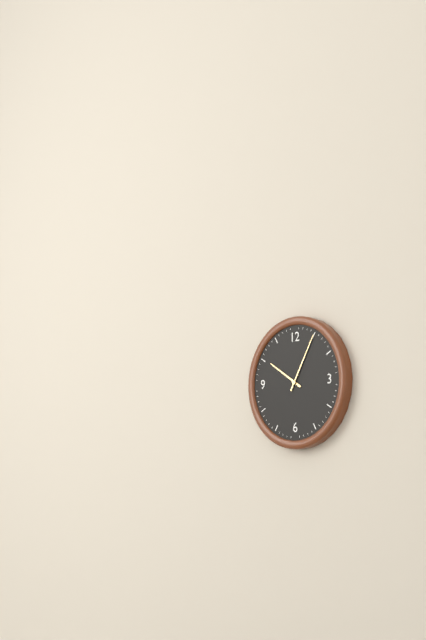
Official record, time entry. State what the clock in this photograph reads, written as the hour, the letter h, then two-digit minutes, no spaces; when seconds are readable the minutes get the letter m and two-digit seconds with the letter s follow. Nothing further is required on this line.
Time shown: 10h05
